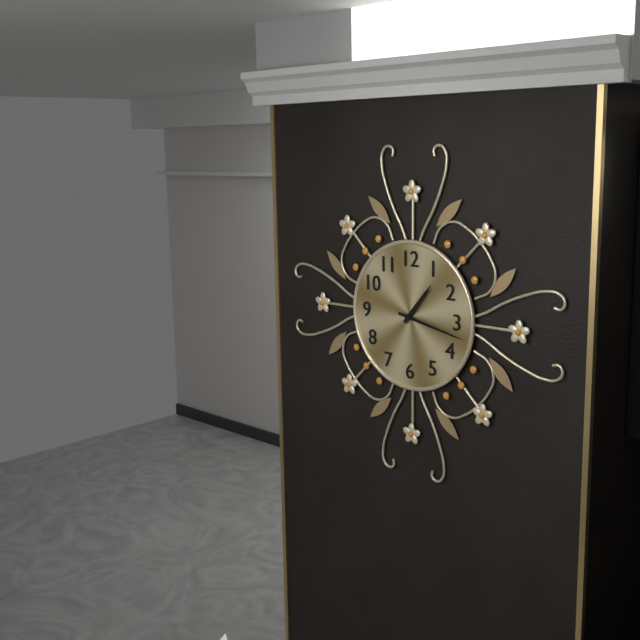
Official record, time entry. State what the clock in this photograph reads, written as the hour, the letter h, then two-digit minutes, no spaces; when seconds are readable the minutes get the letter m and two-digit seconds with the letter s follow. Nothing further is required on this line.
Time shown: 1h17
